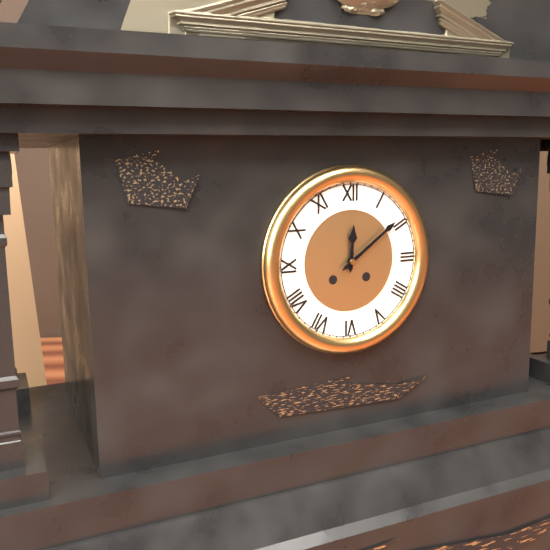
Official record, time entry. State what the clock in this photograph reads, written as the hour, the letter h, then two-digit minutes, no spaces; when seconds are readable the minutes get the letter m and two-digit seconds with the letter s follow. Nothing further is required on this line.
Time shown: 12h09
